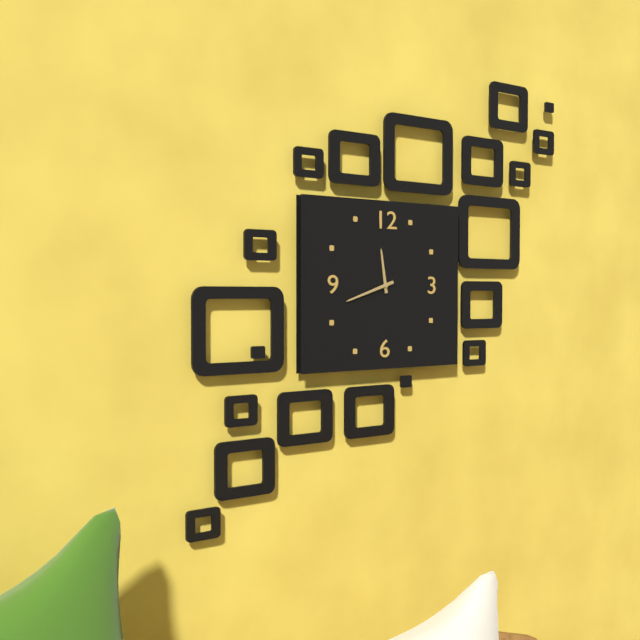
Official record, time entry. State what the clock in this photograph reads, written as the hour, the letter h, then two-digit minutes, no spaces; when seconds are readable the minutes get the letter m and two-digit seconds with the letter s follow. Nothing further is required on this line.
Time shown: 11h42
